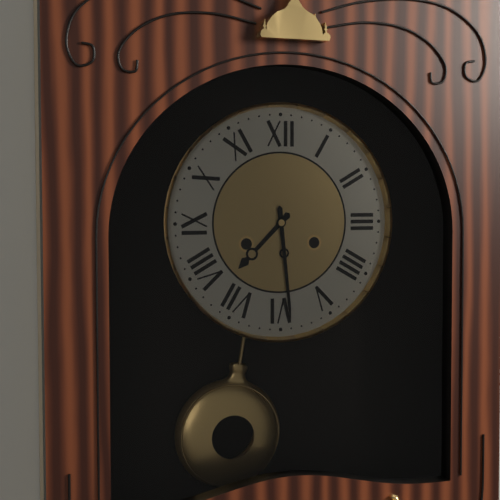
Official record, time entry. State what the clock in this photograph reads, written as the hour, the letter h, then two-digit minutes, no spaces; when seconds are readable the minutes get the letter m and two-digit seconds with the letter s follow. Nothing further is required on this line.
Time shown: 7h29
